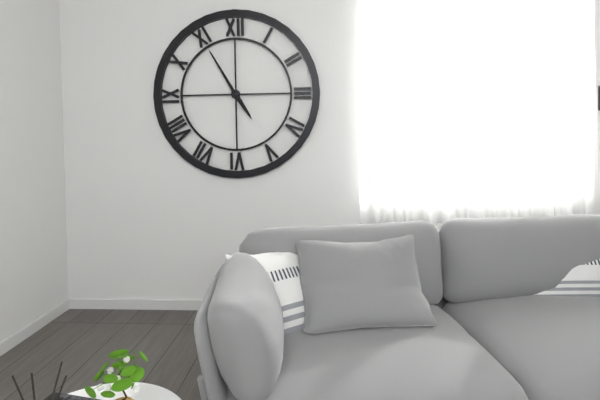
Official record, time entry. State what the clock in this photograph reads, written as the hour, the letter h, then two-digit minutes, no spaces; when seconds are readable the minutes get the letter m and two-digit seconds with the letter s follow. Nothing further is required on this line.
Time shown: 4h55
